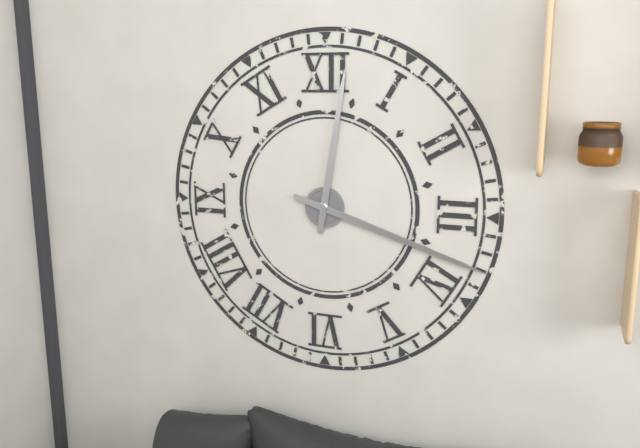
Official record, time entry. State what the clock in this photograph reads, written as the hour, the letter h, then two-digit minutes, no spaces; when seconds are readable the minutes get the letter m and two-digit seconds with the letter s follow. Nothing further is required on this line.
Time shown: 12h18
